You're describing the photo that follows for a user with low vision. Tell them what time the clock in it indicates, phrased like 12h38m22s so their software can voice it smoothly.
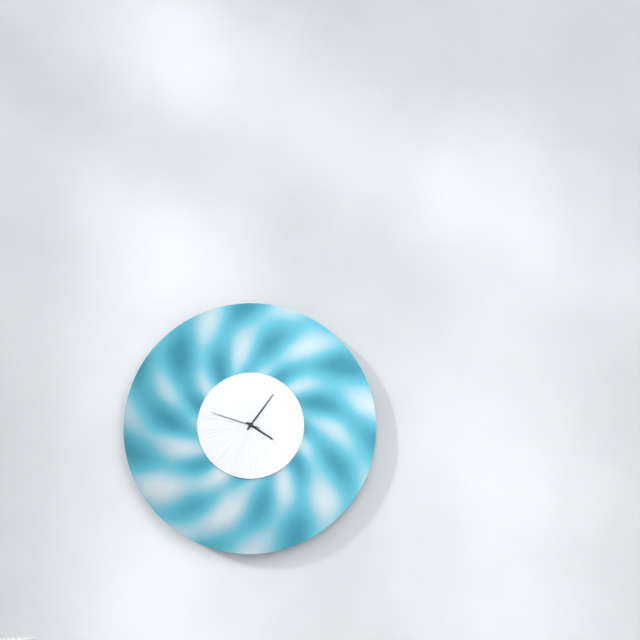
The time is 4h06m48s
